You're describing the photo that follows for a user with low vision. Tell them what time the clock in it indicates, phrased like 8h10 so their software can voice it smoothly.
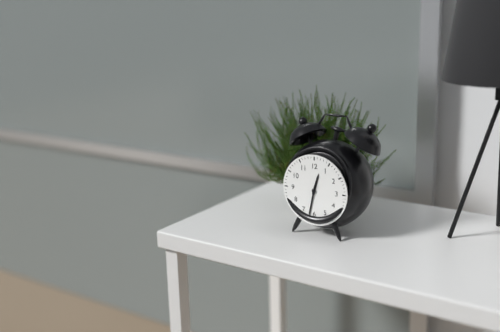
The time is 12h32
